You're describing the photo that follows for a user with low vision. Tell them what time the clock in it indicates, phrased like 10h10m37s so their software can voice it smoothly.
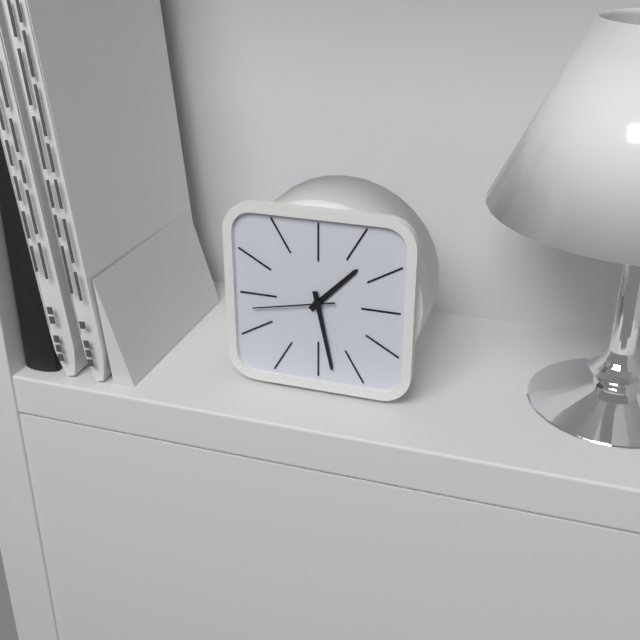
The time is 1h28m43s
